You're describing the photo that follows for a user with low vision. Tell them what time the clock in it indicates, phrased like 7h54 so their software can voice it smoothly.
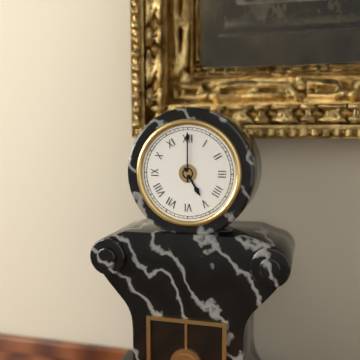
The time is 5h00
